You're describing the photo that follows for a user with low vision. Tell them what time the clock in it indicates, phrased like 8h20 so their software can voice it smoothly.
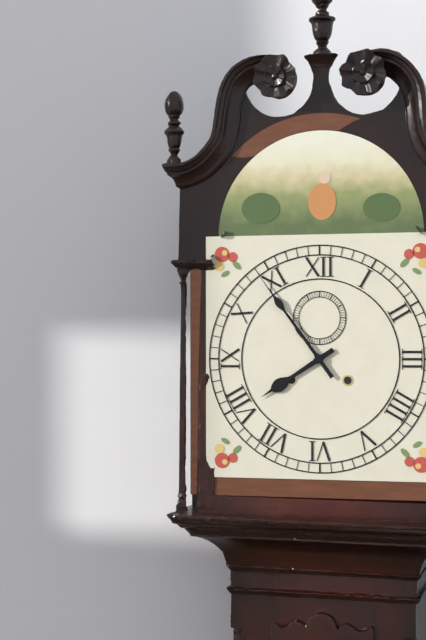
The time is 7h54
